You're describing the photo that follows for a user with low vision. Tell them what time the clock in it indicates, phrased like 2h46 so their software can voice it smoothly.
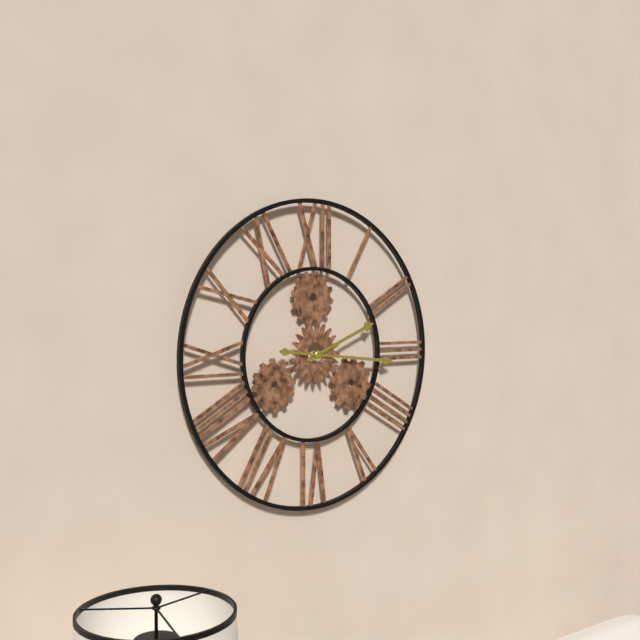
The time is 2h16
